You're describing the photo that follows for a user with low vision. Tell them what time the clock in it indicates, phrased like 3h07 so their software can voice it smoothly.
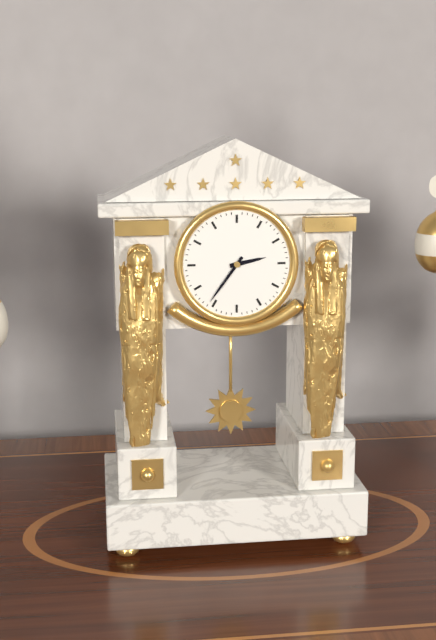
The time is 2h36
